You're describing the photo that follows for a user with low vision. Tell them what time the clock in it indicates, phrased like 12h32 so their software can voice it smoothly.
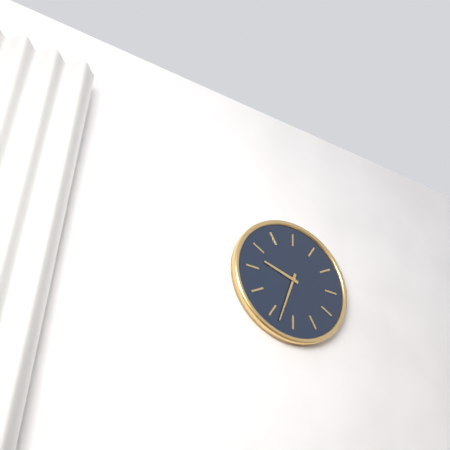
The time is 9h33
